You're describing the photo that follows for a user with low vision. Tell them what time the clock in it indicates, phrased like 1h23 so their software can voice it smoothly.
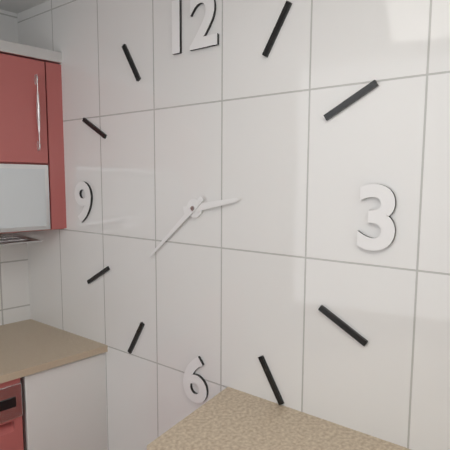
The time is 2h38
